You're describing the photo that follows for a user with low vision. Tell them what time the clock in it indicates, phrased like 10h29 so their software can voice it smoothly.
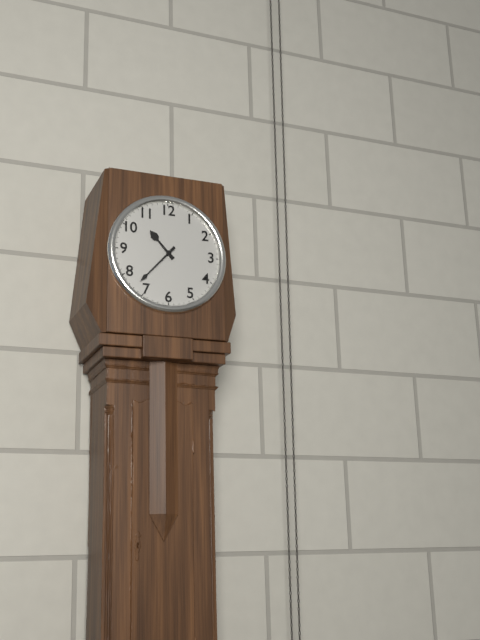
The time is 10h37
